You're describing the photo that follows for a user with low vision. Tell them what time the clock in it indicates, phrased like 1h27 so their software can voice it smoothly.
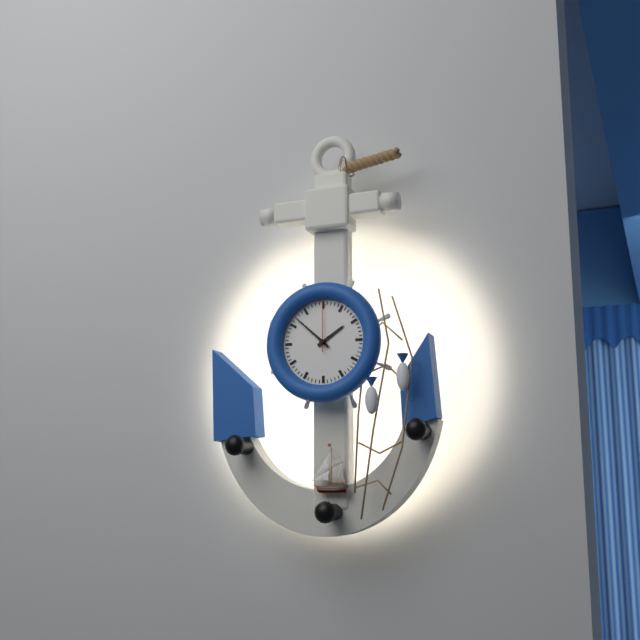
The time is 1h52
